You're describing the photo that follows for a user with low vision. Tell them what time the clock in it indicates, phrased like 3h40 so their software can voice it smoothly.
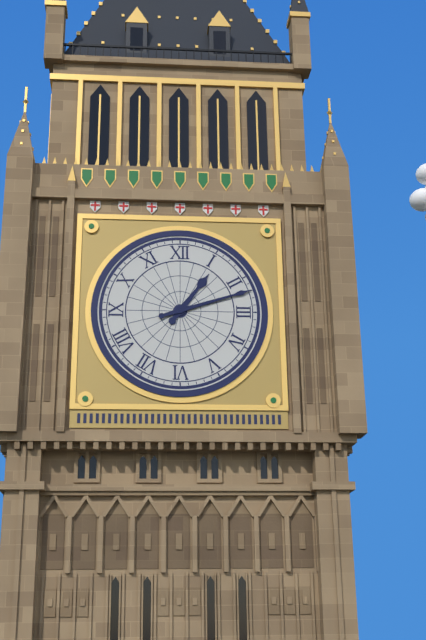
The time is 1h12
